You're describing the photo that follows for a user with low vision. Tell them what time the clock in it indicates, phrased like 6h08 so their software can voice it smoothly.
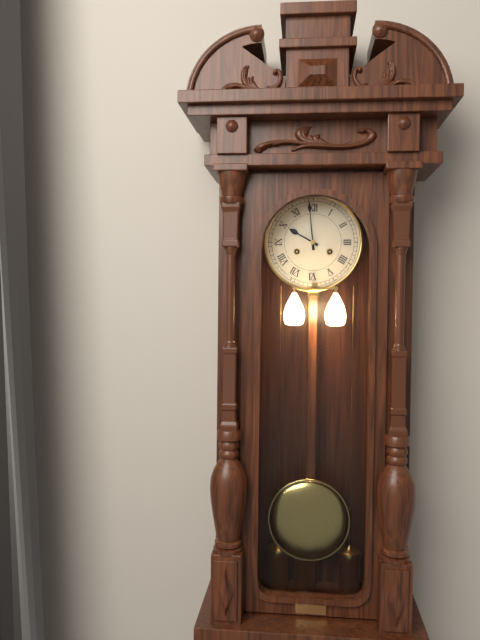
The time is 9h59
